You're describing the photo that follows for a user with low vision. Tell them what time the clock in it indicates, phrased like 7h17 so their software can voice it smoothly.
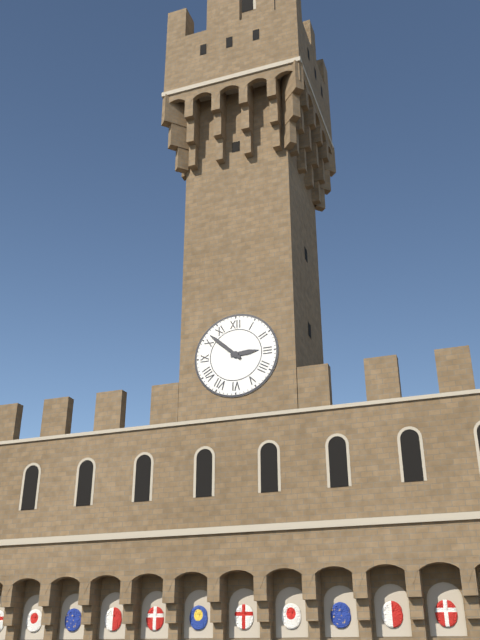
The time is 2h52
